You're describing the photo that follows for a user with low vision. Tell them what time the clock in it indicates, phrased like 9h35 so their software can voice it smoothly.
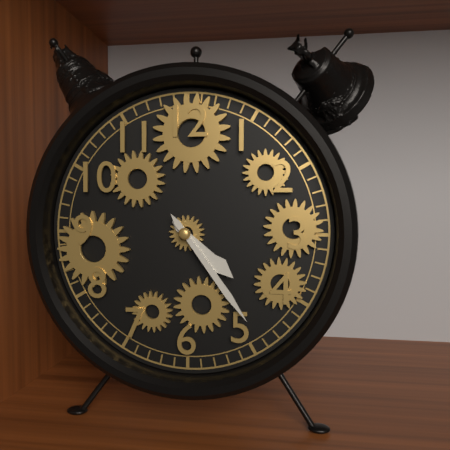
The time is 4h24
